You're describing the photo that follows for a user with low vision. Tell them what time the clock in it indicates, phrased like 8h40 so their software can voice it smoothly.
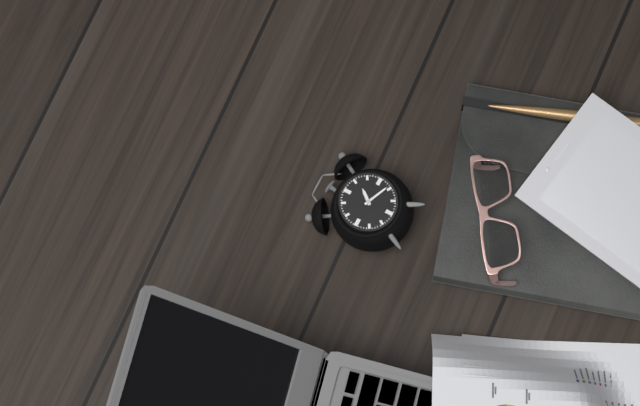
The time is 1h19
